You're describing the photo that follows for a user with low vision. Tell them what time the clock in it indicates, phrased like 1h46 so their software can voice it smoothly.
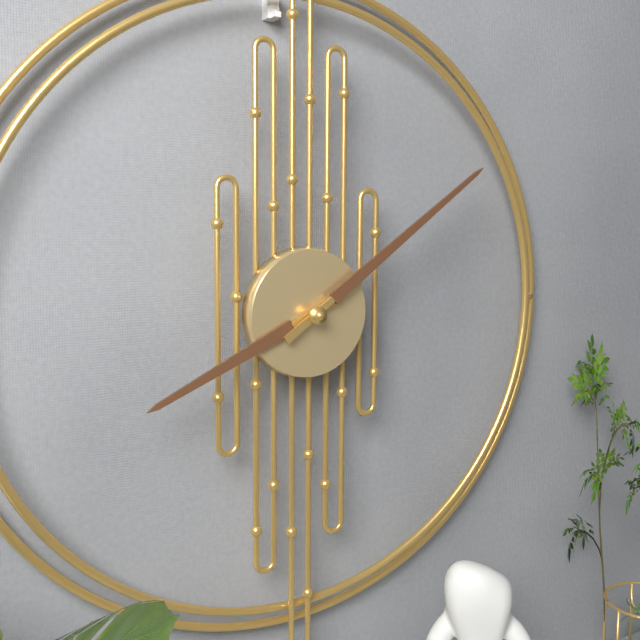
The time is 8h09
